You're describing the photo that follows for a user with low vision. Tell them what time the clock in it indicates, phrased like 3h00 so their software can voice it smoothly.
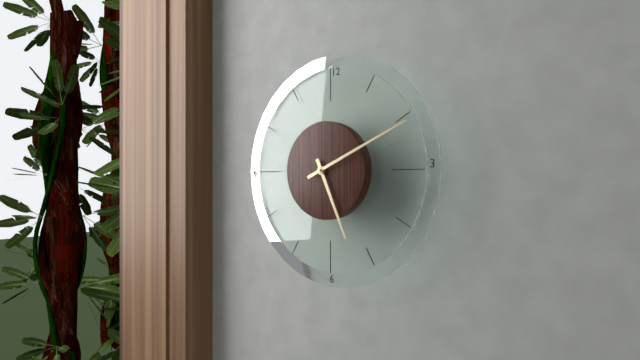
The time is 5h11
